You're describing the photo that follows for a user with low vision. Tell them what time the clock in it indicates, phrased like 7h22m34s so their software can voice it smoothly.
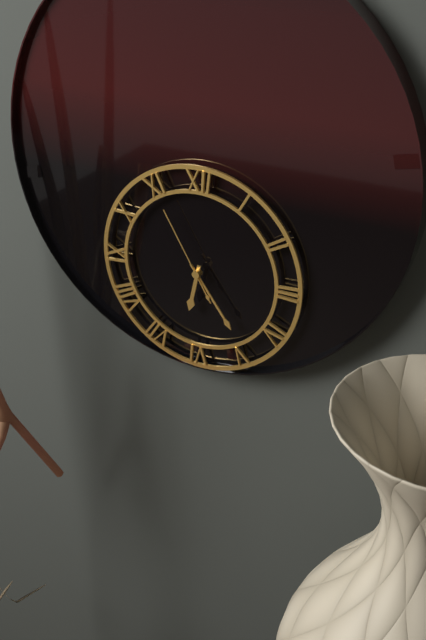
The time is 6h24m55s
